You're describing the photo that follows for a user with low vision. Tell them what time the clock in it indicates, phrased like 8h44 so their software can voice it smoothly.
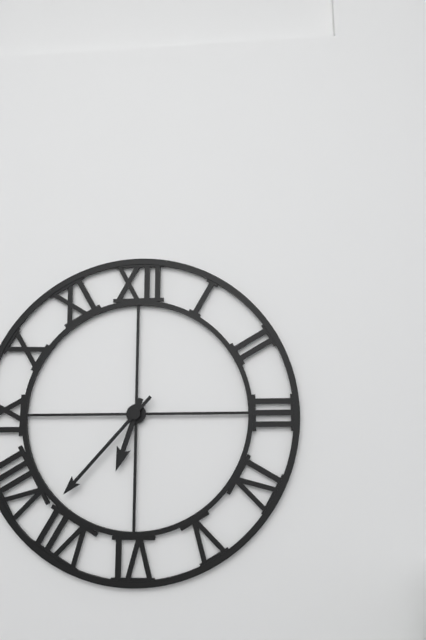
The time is 6h37
